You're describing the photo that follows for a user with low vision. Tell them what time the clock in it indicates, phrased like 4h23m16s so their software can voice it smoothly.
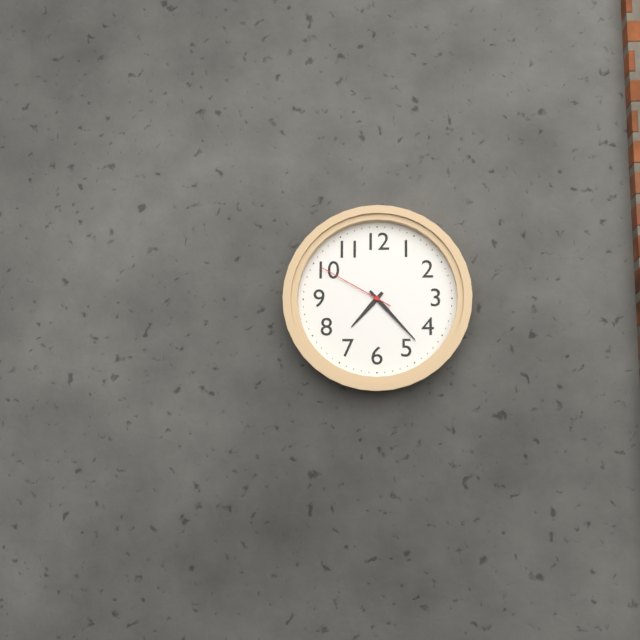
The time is 7h23m50s
